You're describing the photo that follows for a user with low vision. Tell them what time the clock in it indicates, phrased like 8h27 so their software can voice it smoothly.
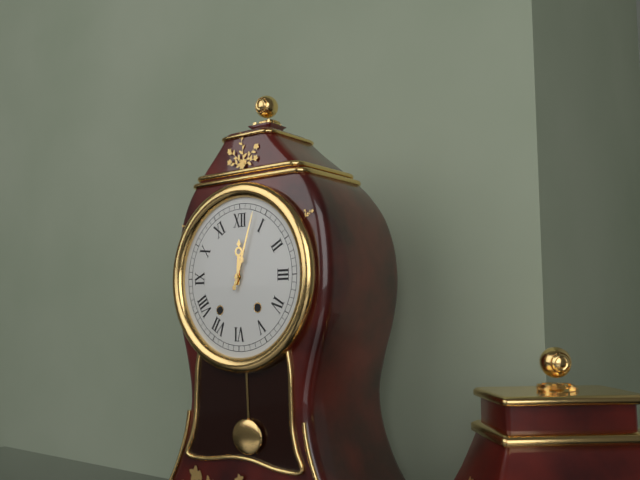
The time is 12h03
